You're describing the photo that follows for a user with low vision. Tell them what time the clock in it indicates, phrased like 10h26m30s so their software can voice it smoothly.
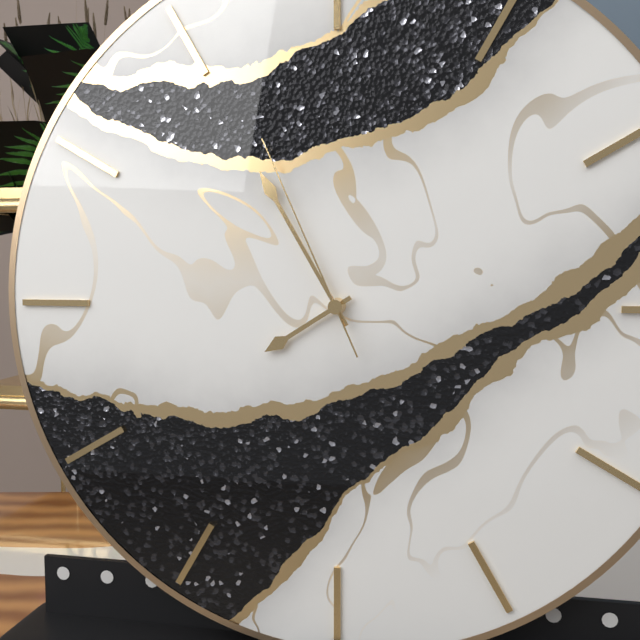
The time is 7h55m56s
